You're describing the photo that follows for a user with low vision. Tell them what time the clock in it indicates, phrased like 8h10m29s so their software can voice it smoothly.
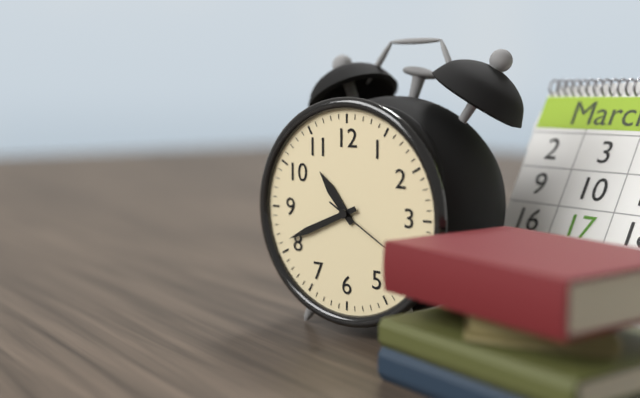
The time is 10h41m20s
